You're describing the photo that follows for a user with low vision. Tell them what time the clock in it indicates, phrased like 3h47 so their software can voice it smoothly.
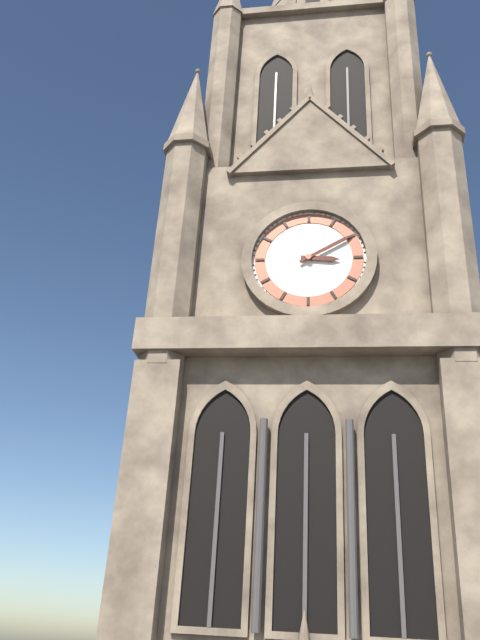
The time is 3h10
